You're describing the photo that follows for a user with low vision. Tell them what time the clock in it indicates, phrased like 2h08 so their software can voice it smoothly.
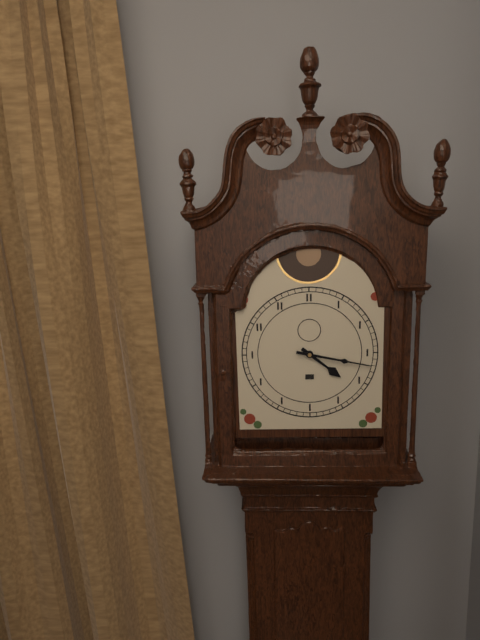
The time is 4h17
